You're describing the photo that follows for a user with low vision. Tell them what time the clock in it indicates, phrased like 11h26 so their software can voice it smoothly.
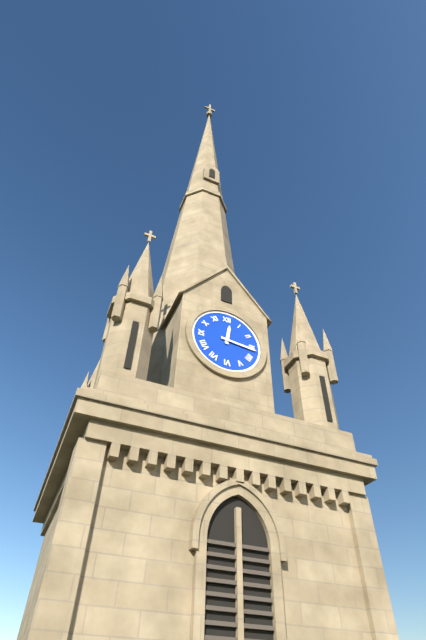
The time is 12h16
